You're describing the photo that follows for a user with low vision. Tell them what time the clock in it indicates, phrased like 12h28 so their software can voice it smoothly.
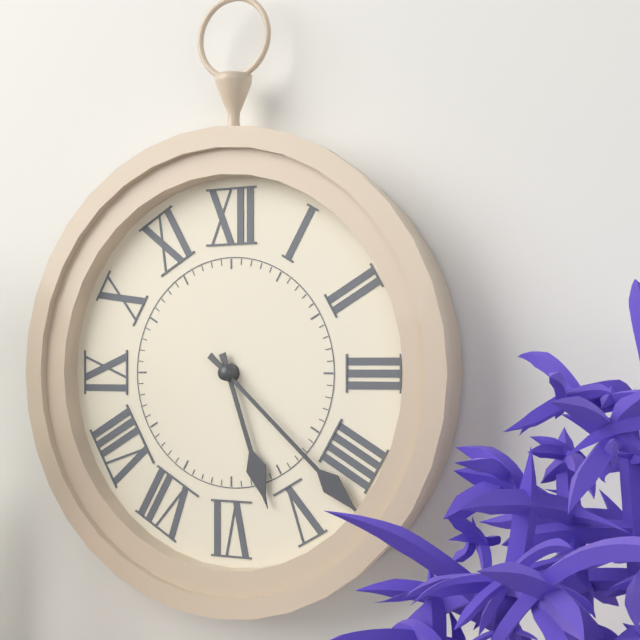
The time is 5h22
